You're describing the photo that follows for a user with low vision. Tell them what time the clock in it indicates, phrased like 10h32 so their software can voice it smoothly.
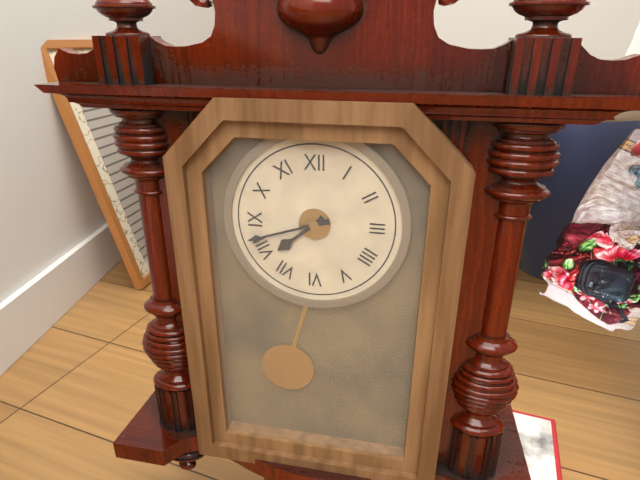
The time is 7h42
